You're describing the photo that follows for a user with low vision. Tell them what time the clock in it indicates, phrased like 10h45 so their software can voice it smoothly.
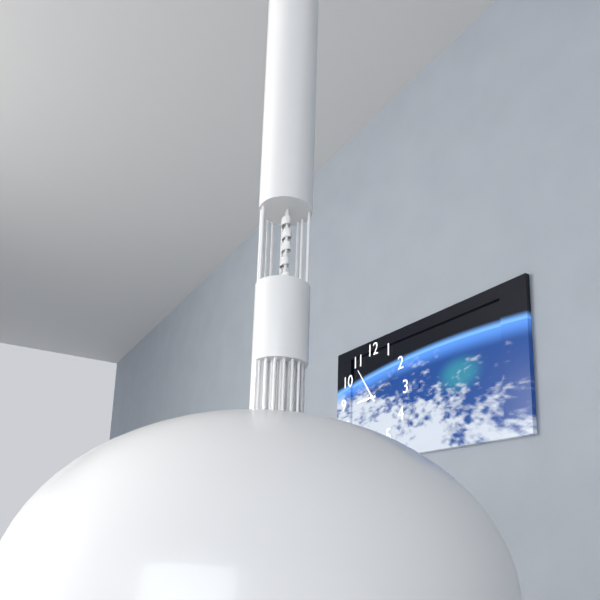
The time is 8h54
